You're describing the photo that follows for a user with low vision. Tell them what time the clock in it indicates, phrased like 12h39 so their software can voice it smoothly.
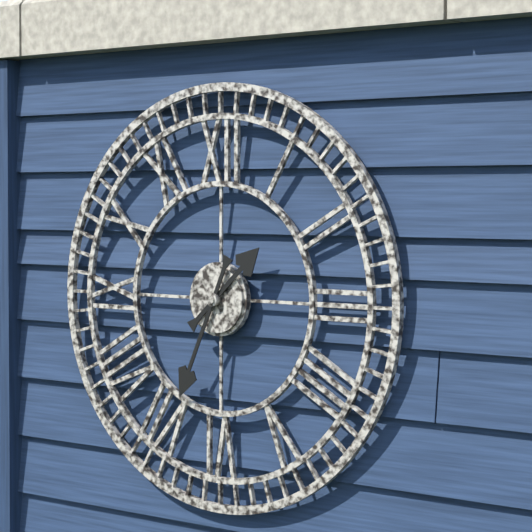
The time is 1h34
